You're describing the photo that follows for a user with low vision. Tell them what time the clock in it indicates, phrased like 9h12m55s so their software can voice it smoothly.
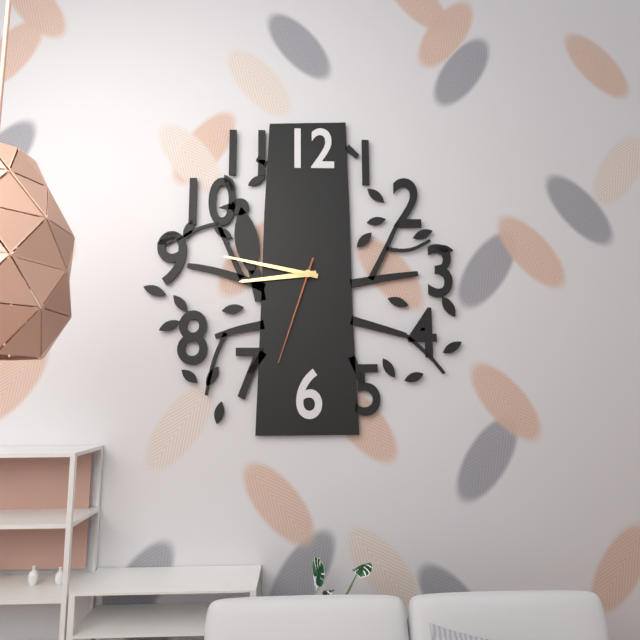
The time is 8h47m33s
